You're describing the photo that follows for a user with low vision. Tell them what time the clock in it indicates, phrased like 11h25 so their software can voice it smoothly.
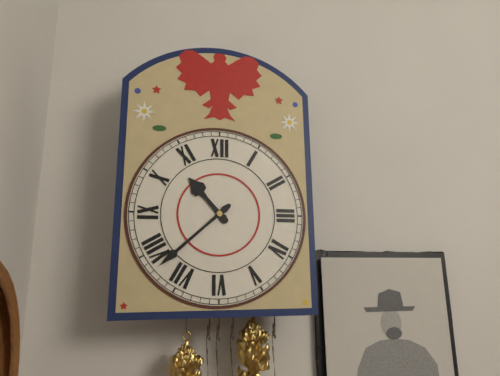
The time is 10h38
